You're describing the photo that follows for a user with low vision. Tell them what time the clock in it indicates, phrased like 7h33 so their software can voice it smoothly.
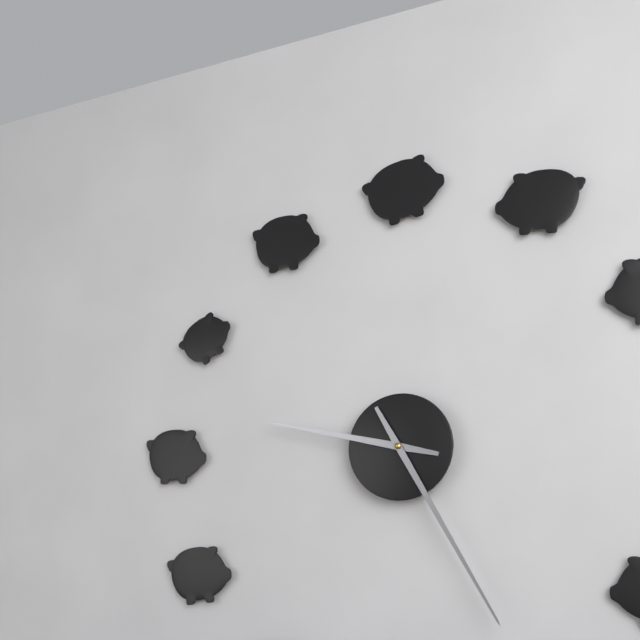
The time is 9h25
